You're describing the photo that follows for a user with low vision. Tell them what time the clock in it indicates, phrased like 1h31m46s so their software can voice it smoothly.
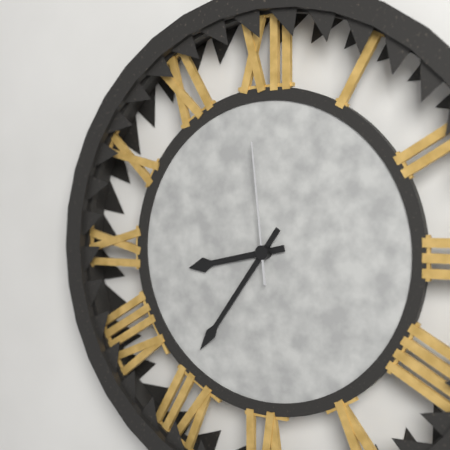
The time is 8h36m59s
